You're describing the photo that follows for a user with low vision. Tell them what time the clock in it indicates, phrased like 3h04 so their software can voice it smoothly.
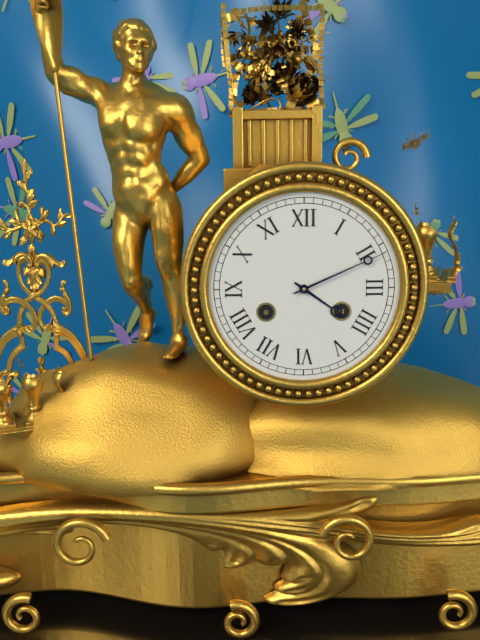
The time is 4h11
